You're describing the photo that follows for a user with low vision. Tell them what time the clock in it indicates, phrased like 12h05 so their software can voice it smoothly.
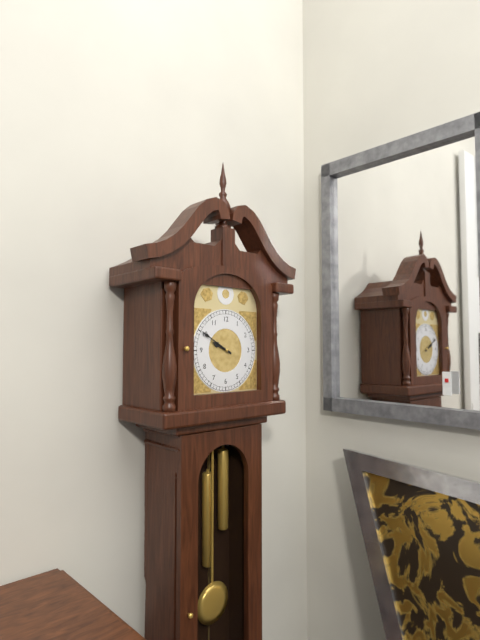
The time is 9h50
